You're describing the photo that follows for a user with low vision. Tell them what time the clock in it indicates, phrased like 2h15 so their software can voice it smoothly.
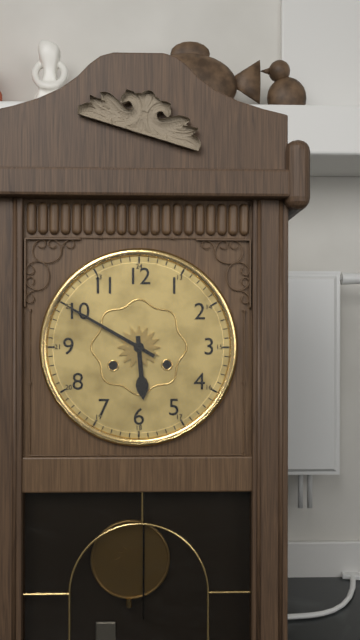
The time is 5h50
